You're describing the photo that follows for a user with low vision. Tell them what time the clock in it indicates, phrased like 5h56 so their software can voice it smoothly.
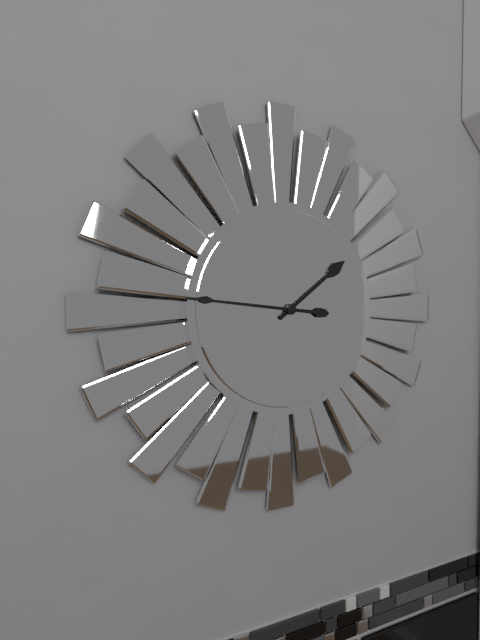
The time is 1h46
